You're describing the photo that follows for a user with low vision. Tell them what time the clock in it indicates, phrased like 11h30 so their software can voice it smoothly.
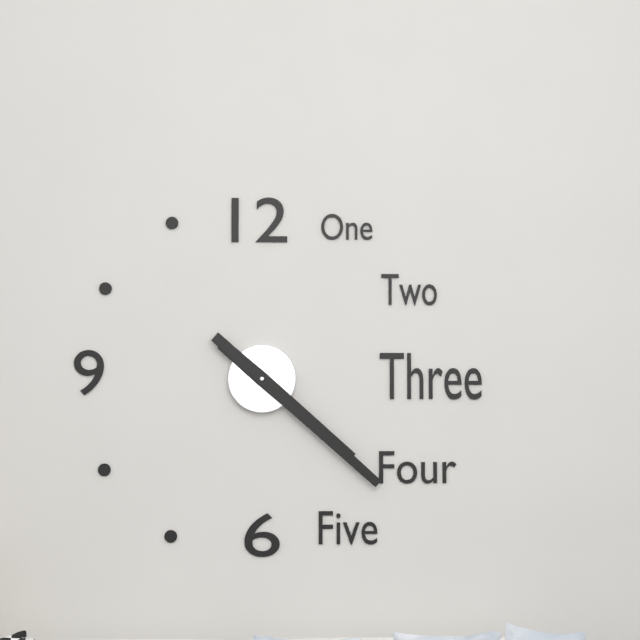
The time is 4h22
